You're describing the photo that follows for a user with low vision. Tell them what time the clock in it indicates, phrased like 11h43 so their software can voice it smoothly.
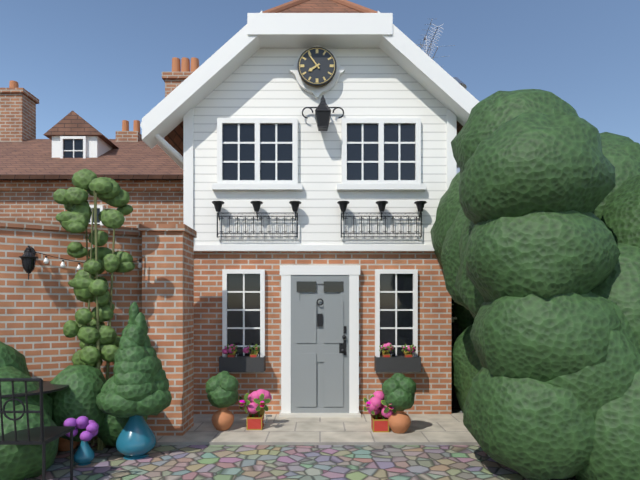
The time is 7h54
